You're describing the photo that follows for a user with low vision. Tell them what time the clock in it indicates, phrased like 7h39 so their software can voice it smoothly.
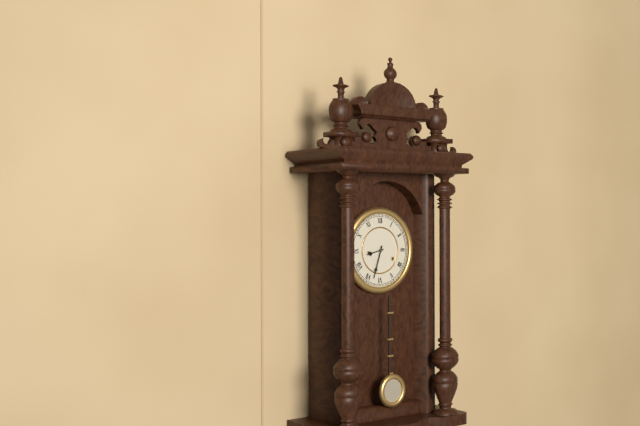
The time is 8h33
